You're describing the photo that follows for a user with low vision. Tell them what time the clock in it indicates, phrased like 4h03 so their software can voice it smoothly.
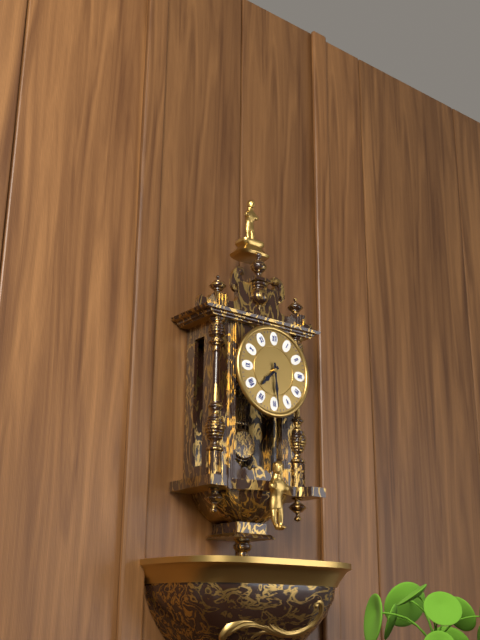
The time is 7h29
